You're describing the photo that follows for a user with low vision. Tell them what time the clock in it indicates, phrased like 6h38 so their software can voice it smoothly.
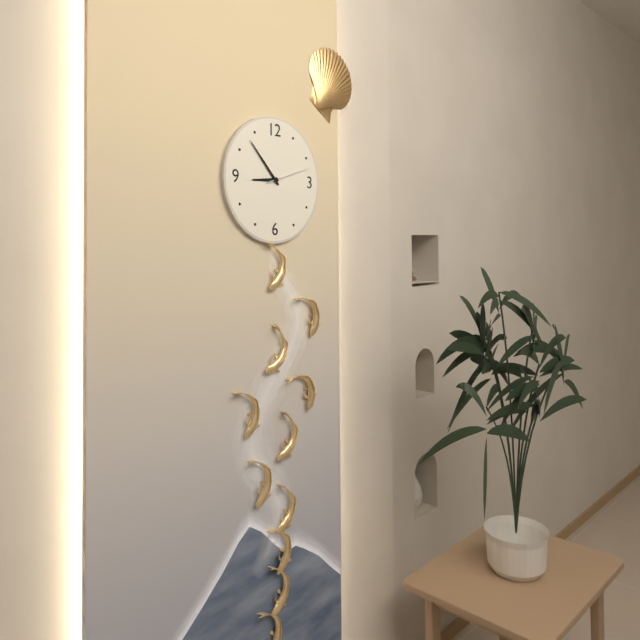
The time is 8h53
